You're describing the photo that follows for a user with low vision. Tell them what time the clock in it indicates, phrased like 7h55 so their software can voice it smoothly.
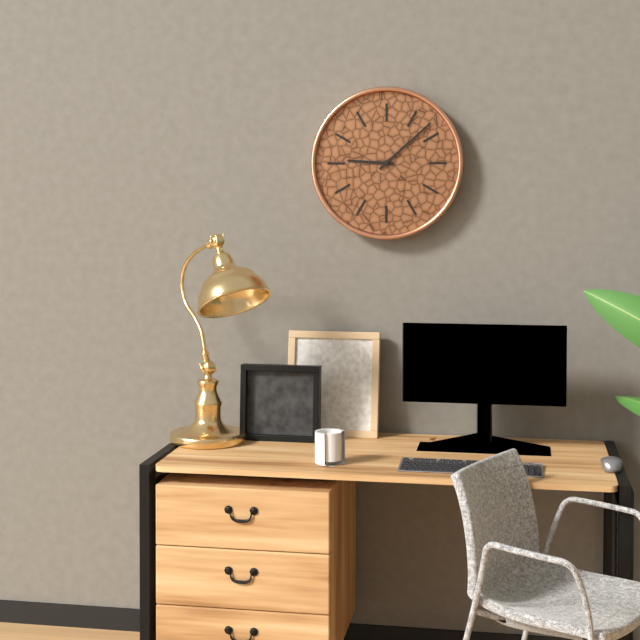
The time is 9h08
